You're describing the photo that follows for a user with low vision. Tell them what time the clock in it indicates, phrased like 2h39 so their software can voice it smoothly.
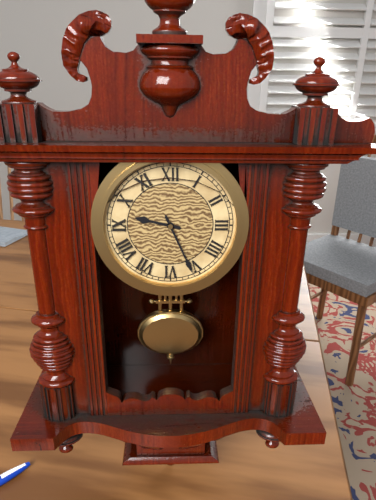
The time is 9h26
